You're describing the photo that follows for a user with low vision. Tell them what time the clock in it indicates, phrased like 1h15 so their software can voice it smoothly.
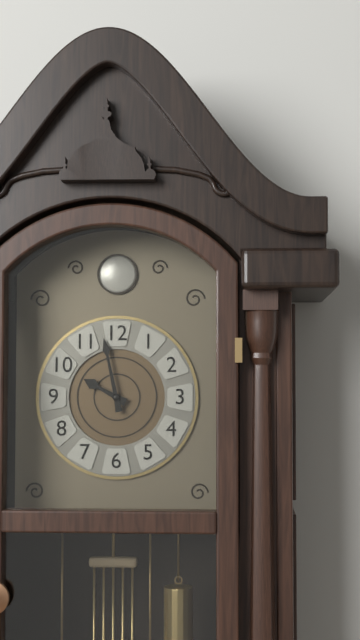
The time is 9h58
